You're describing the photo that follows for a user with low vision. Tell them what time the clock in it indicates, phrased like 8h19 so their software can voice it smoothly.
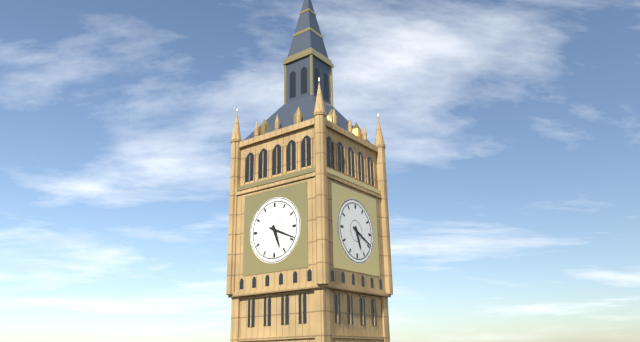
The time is 5h19
